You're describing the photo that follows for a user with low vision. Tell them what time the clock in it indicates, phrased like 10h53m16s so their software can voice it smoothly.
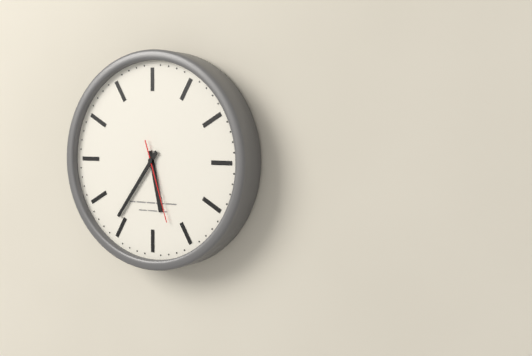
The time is 5h36m27s
